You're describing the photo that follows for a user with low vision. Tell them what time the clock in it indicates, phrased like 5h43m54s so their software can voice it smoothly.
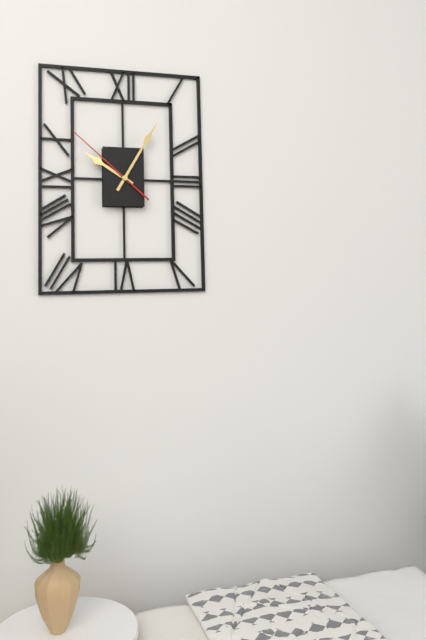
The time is 10h05m52s
